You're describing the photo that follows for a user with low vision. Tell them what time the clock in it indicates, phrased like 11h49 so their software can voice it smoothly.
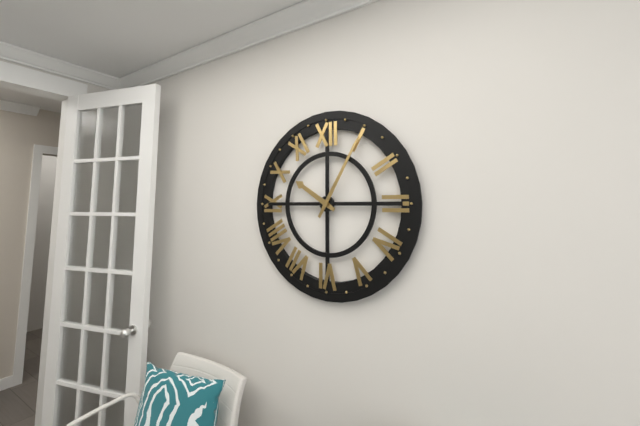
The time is 10h05
